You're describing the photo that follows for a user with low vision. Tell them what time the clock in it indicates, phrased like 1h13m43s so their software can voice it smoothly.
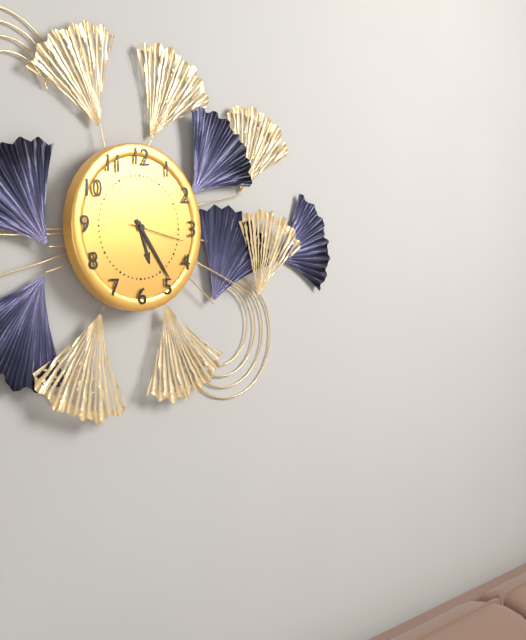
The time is 5h24m17s
